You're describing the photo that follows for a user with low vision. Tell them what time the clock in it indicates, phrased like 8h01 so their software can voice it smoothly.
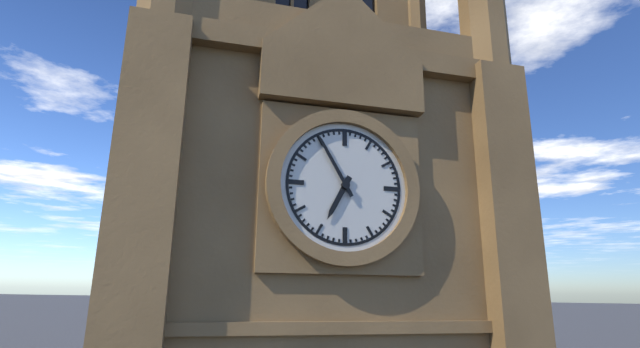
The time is 6h55
